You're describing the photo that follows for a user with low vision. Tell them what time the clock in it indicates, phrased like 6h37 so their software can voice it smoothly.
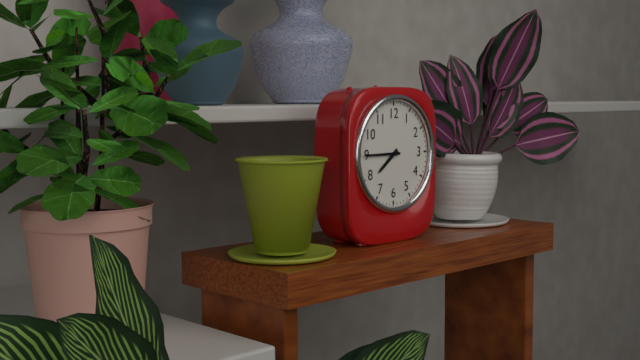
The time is 7h45
